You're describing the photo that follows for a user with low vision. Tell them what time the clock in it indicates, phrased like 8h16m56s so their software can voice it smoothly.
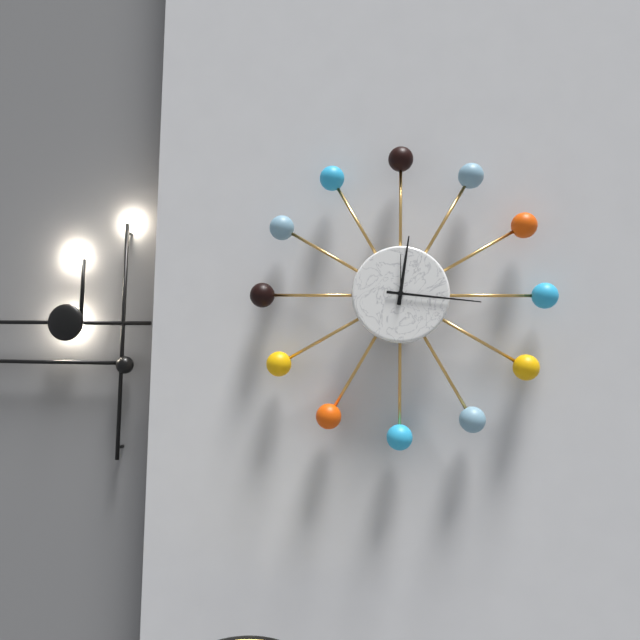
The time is 12h16m00s
